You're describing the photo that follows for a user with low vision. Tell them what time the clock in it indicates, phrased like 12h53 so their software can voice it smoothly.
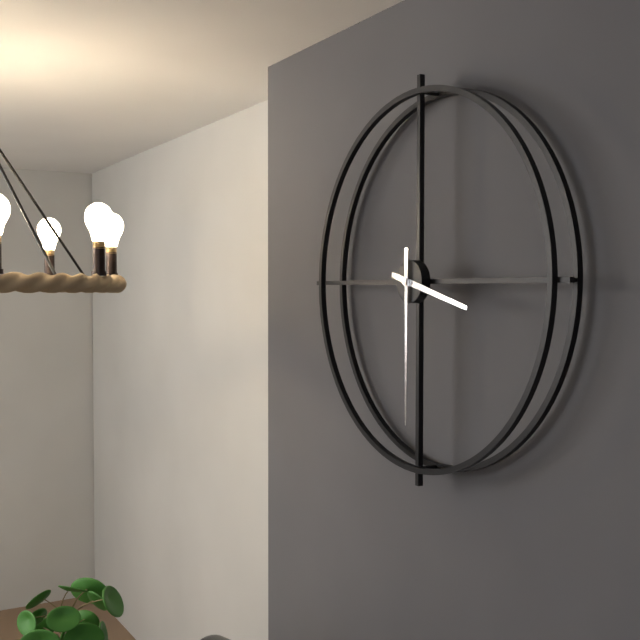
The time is 3h30
